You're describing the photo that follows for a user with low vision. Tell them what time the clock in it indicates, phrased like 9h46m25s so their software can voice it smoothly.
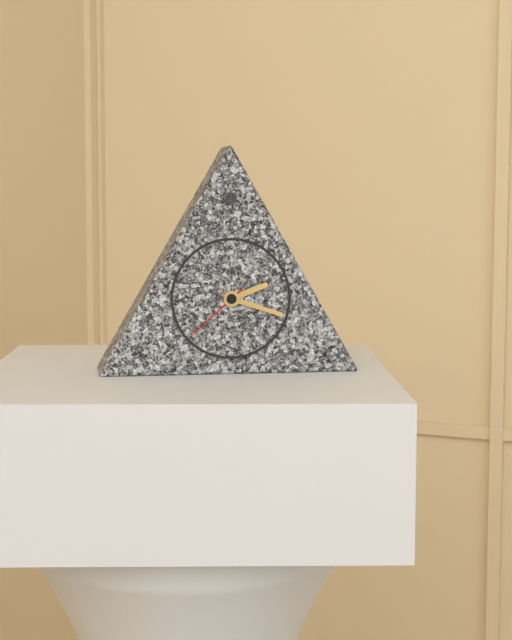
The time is 2h18m38s
